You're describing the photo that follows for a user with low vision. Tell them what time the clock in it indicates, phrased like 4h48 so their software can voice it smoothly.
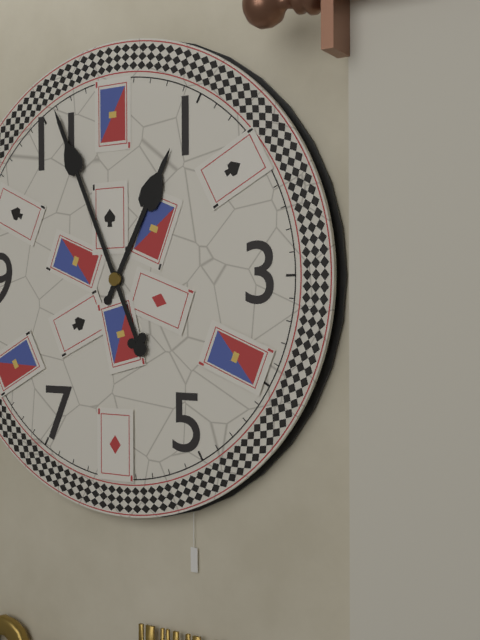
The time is 12h56
